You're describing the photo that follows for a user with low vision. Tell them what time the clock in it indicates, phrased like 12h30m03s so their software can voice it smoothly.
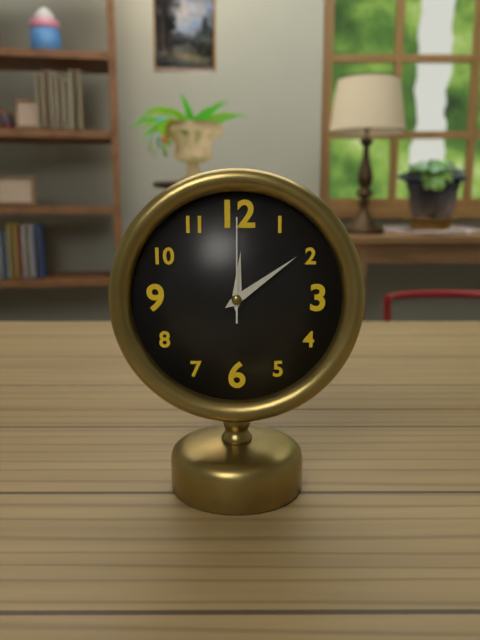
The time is 12h09m00s
